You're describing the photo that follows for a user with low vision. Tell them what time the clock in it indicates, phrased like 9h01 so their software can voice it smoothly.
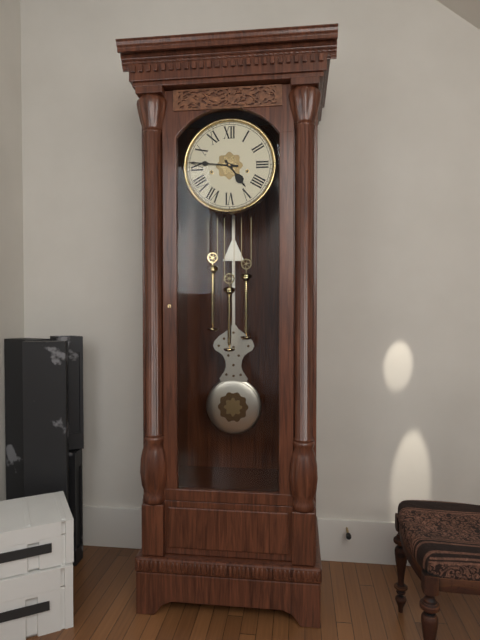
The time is 4h46
